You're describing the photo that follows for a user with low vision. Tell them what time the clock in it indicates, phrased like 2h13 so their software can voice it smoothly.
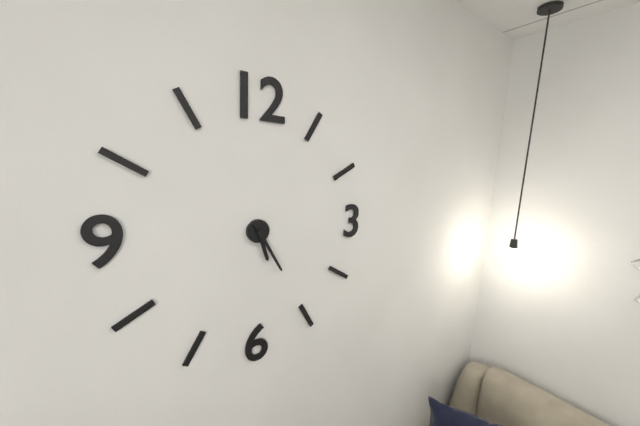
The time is 5h25
